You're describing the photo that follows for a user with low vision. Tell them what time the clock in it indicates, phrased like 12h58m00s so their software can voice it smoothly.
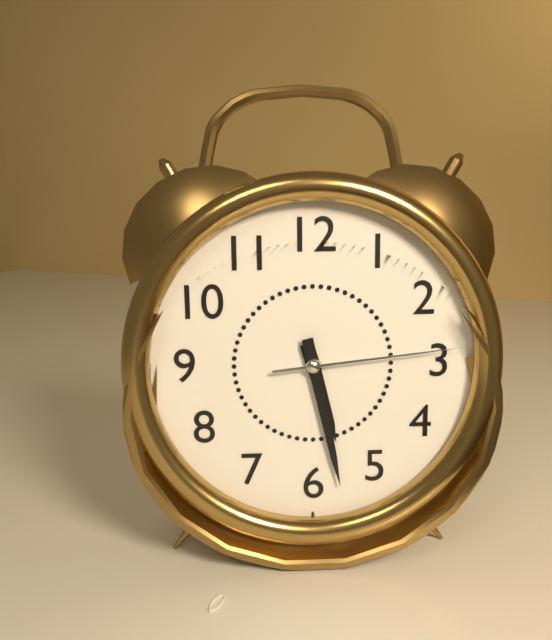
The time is 5h28m14s
